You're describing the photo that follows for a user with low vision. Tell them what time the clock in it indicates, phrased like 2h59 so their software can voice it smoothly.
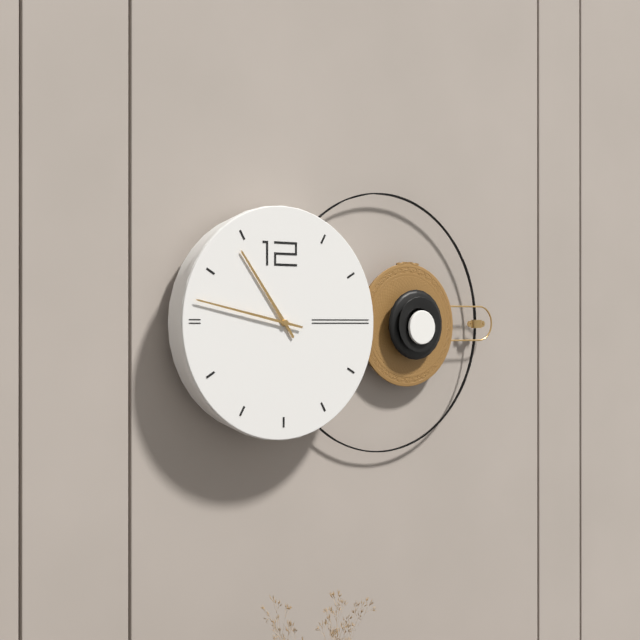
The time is 10h47
